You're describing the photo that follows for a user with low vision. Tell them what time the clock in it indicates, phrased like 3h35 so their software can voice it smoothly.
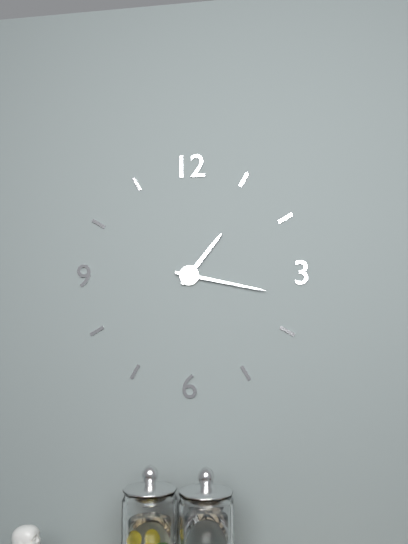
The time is 1h17
